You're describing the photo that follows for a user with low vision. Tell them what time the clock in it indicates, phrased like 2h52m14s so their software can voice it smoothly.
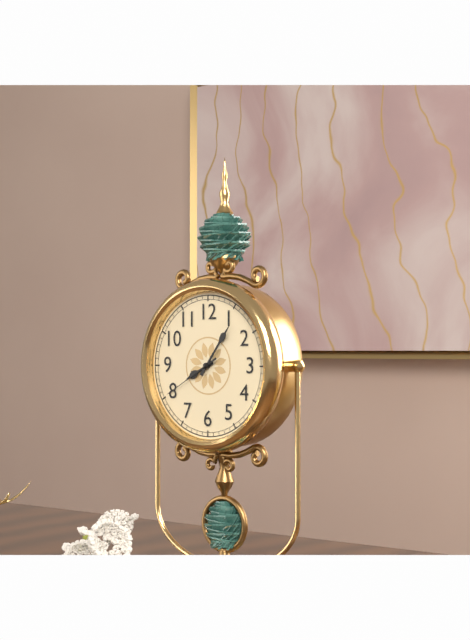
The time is 8h06m40s
